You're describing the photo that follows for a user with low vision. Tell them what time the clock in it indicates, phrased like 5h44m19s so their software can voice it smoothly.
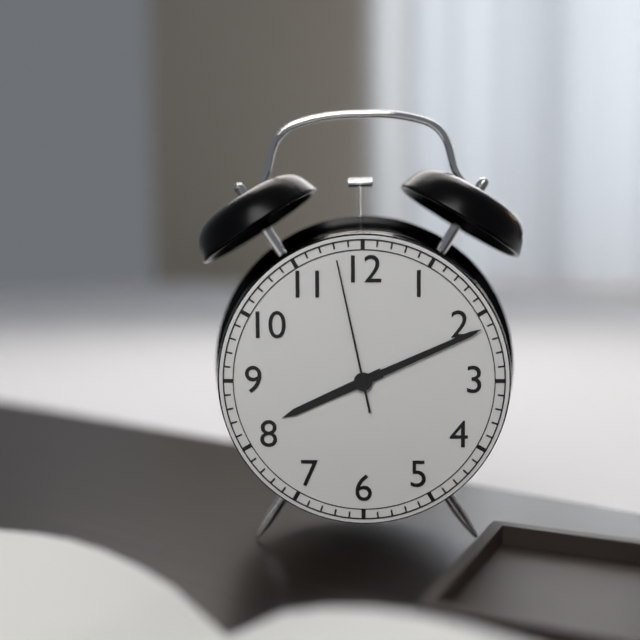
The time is 8h11m58s
